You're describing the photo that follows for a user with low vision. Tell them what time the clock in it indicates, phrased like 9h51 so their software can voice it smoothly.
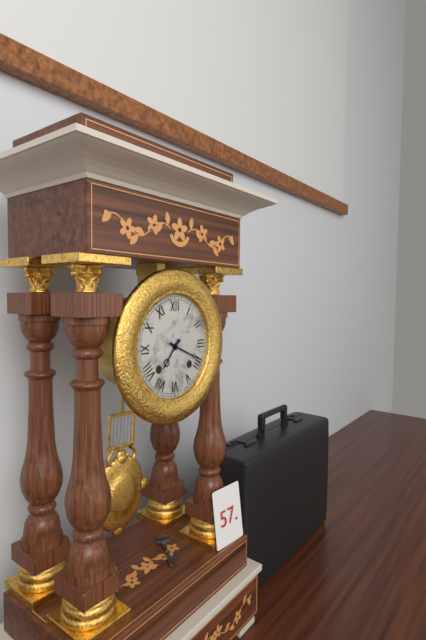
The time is 7h19
